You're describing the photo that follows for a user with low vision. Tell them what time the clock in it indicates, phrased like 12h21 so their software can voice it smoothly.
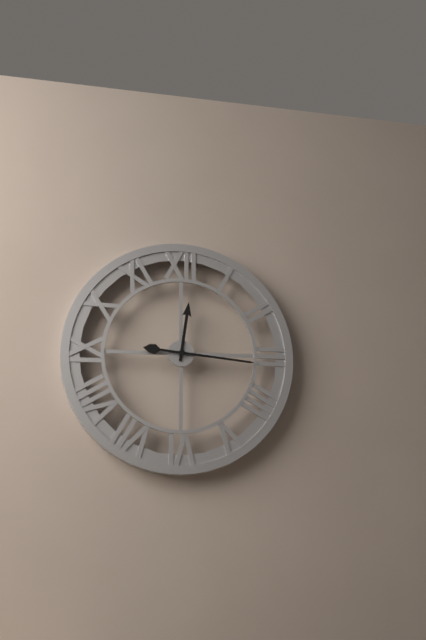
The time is 12h16
